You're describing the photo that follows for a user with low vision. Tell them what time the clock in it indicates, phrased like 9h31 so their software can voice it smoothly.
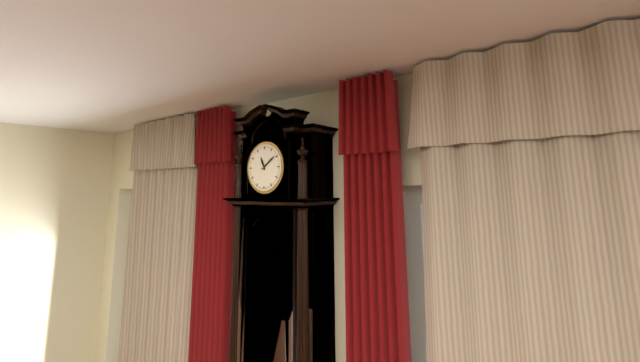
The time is 11h09
